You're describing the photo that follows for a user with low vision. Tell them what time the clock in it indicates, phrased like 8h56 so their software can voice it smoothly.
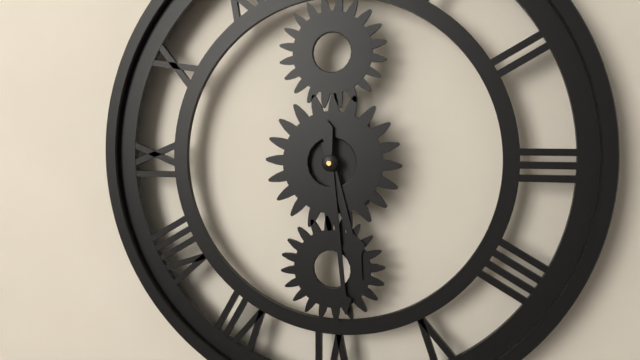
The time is 5h29
